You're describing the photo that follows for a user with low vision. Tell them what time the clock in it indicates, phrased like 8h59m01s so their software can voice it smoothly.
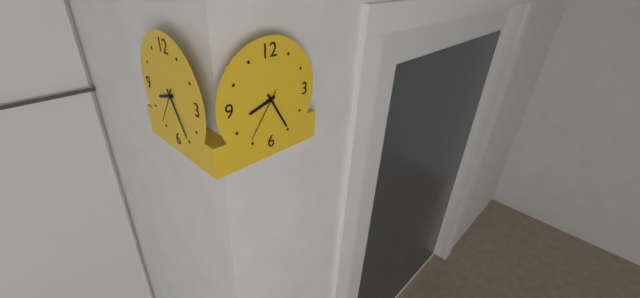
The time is 8h25m36s
